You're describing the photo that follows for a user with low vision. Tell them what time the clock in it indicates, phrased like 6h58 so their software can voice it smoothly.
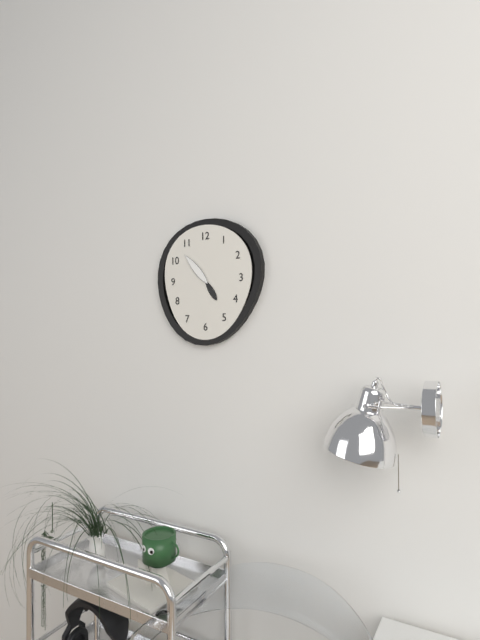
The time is 4h53
